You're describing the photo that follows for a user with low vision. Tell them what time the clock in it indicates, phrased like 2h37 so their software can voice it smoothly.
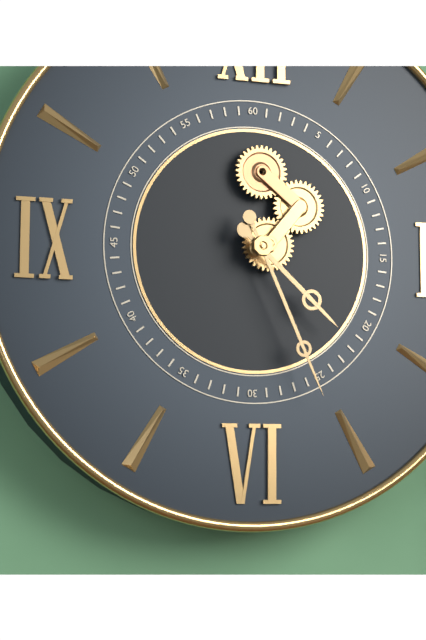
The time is 4h26
